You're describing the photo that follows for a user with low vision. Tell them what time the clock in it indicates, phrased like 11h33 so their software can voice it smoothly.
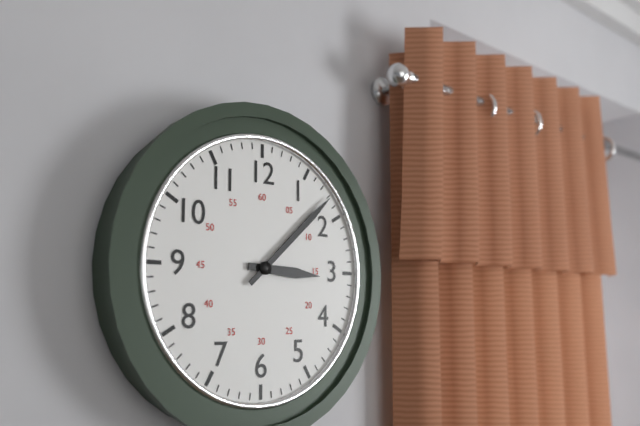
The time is 3h08
